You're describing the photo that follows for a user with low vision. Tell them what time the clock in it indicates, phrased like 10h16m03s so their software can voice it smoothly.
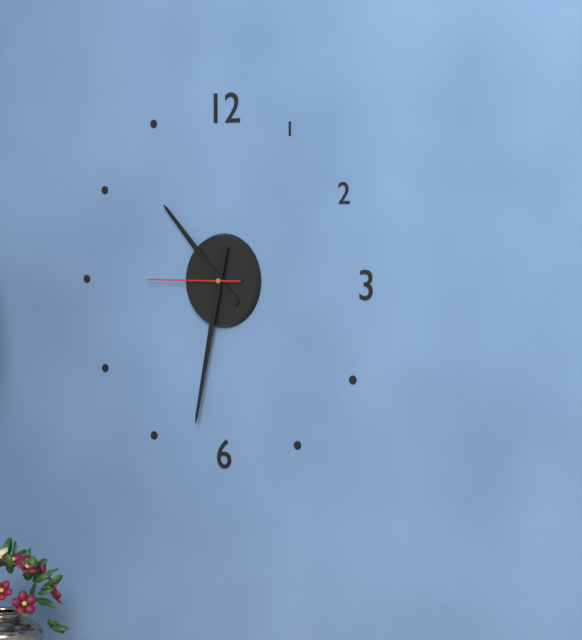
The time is 10h32m45s
